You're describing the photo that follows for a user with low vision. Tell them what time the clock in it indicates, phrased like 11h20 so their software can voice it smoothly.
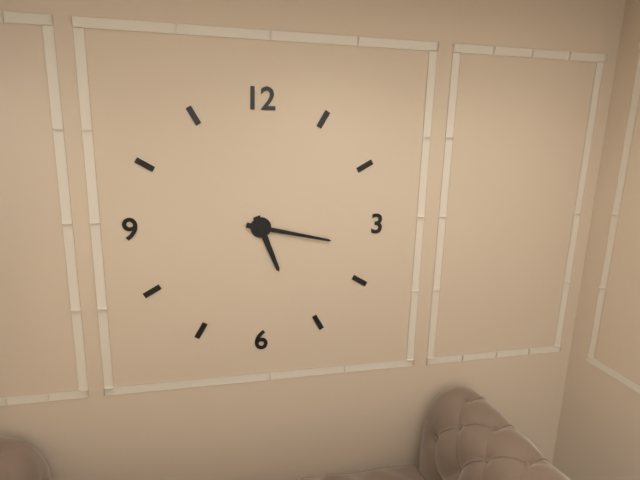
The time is 5h17
